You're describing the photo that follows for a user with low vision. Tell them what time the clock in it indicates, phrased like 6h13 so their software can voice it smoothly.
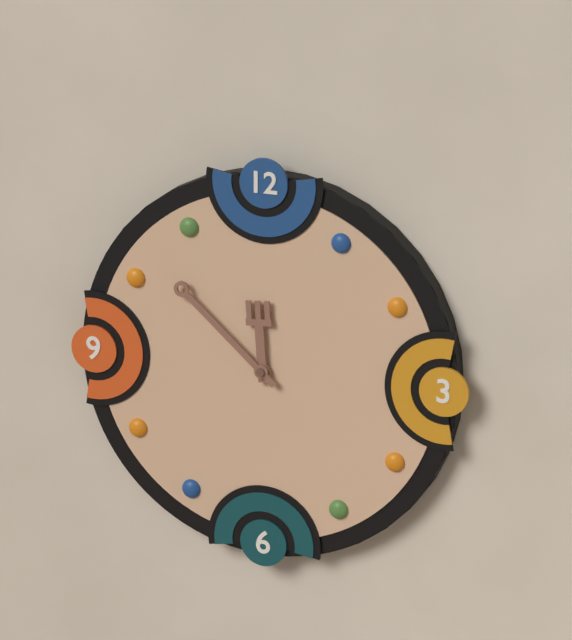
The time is 11h52
